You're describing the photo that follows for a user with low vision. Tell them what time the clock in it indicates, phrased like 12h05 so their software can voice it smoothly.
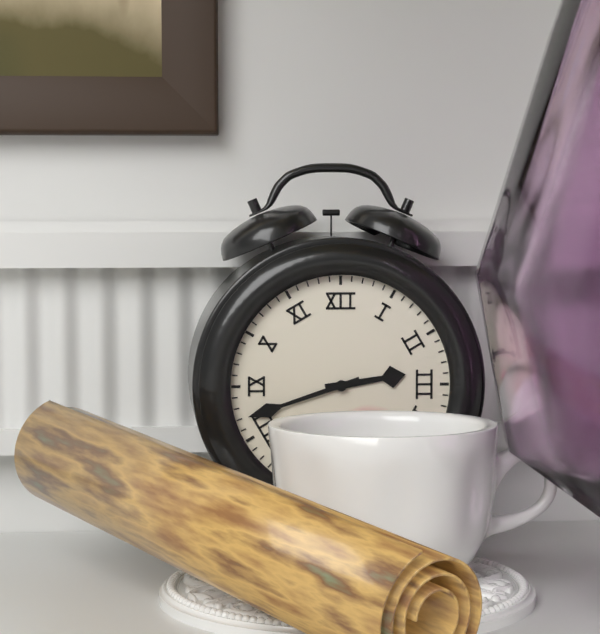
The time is 2h42
